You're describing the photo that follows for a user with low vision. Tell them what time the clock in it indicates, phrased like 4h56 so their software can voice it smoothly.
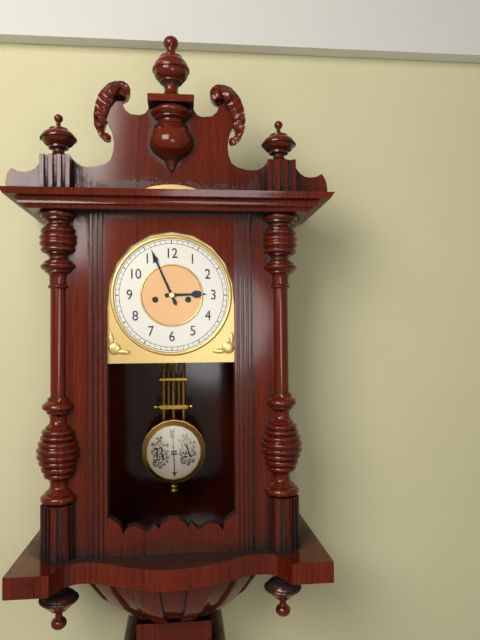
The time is 2h56
